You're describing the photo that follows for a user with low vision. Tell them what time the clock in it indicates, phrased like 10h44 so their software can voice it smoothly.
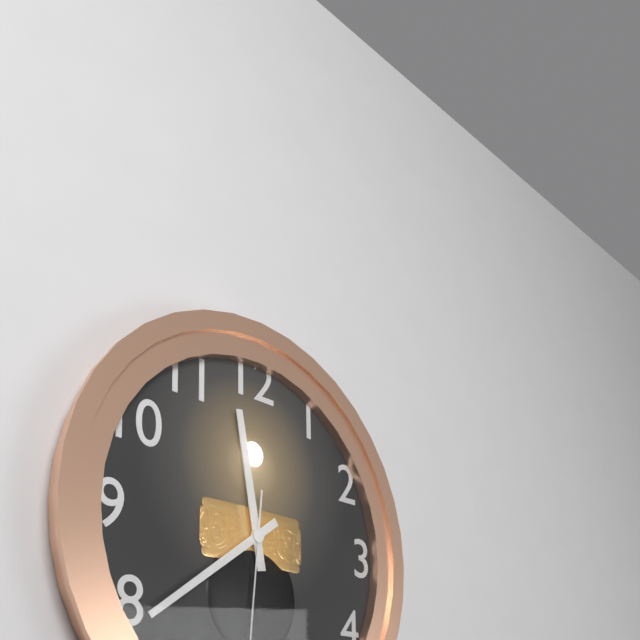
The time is 11h39
